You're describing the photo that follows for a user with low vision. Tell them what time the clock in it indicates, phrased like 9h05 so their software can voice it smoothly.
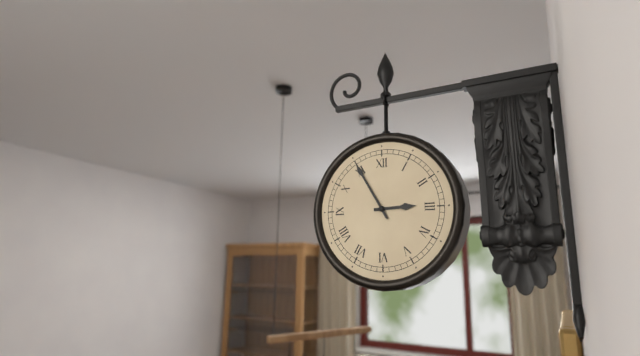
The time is 2h55
